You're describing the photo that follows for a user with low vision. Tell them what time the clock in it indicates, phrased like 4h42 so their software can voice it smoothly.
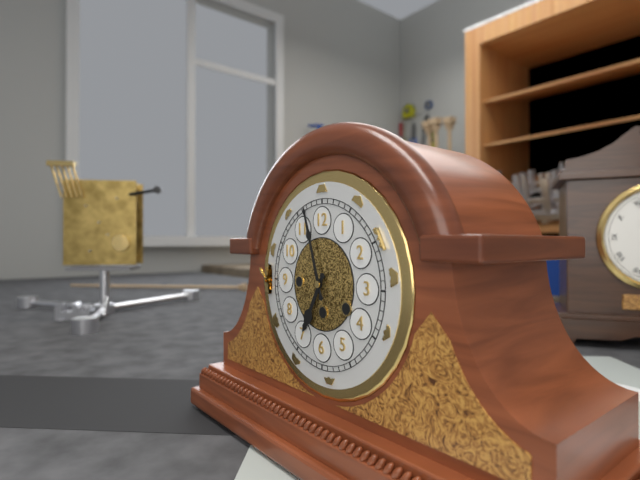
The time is 6h57
